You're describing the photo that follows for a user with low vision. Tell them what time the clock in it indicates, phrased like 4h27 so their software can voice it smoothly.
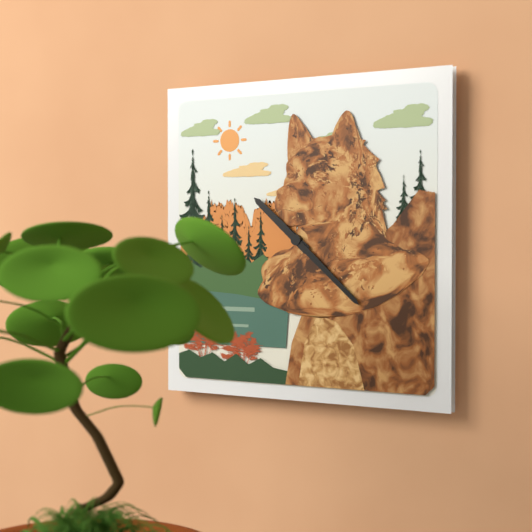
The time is 10h22
